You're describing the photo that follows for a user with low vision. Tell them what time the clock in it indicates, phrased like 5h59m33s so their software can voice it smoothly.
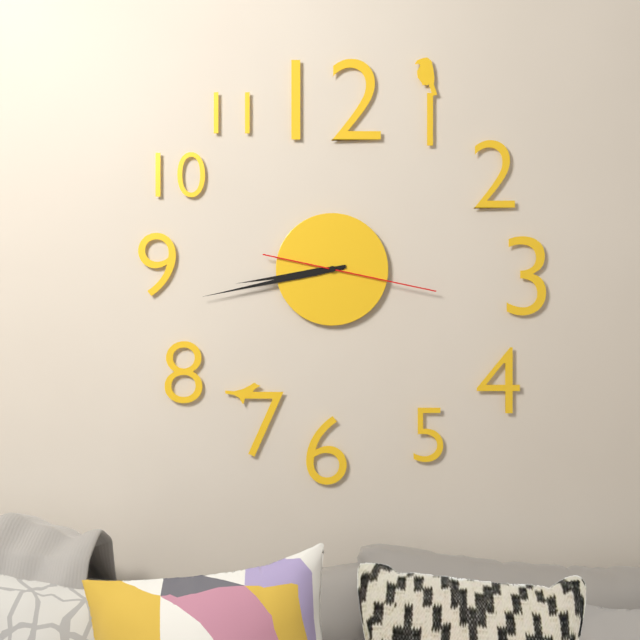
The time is 8h43m17s
